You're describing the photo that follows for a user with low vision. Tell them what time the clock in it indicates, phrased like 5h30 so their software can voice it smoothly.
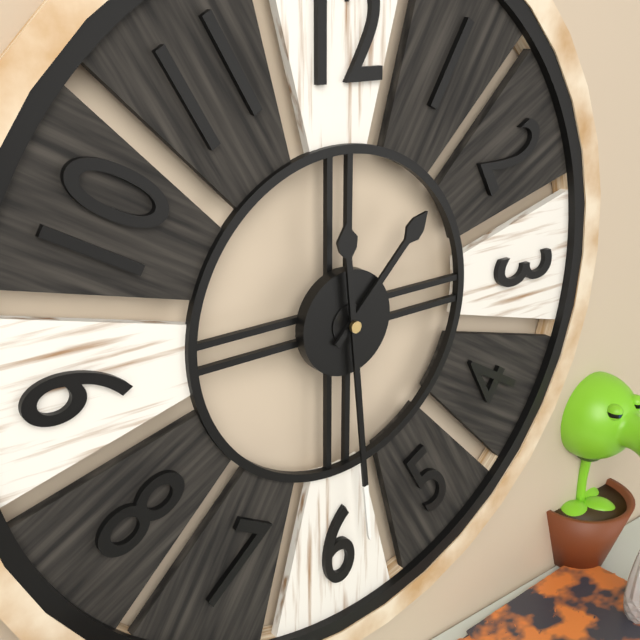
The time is 1h29
